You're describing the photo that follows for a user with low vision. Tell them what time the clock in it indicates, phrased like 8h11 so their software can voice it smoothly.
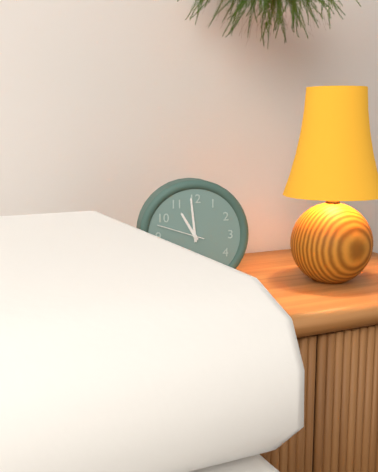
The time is 10h59
